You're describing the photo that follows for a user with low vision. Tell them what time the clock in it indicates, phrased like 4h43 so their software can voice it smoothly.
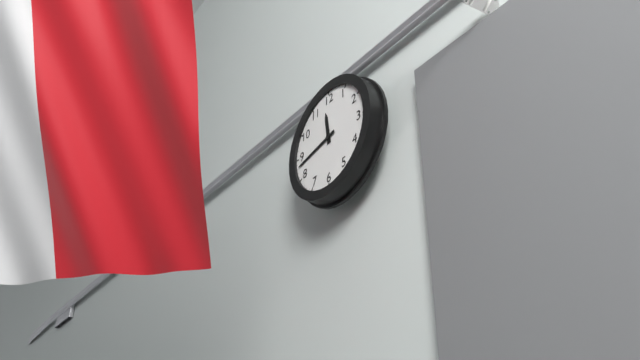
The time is 11h43
